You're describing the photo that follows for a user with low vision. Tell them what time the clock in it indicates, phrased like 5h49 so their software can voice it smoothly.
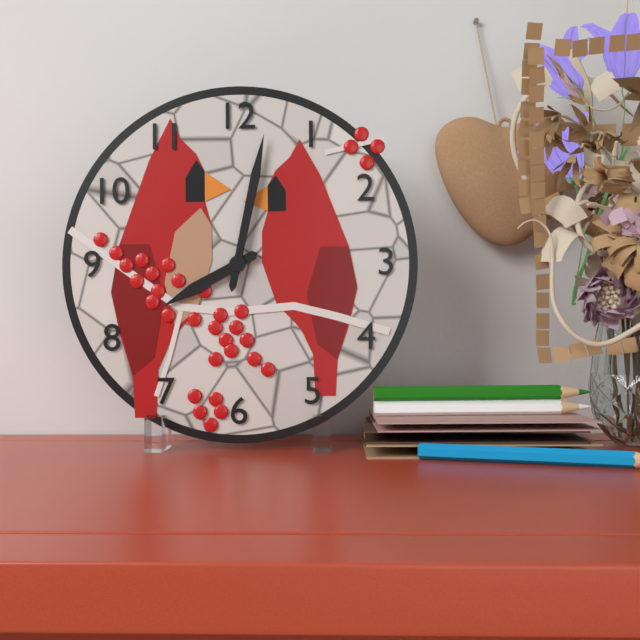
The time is 8h02
